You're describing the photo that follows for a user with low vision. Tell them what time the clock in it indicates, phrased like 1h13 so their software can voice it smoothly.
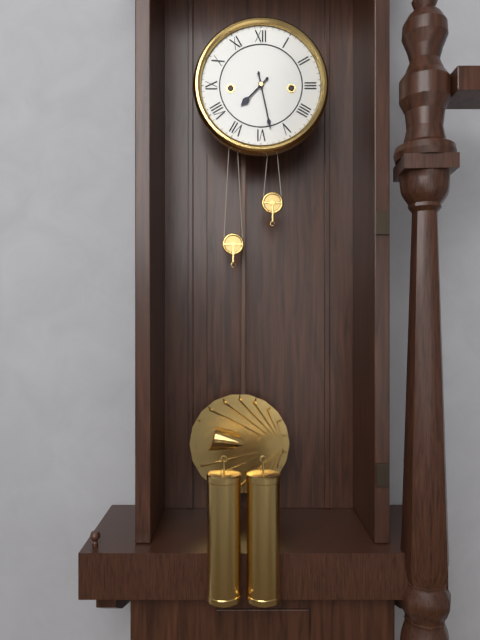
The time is 7h28
